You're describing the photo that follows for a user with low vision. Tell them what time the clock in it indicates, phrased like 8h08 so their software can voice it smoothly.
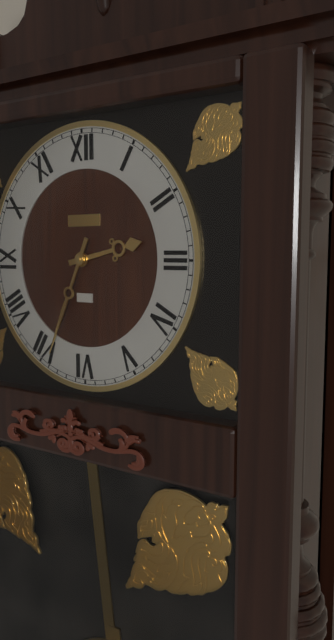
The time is 2h34
